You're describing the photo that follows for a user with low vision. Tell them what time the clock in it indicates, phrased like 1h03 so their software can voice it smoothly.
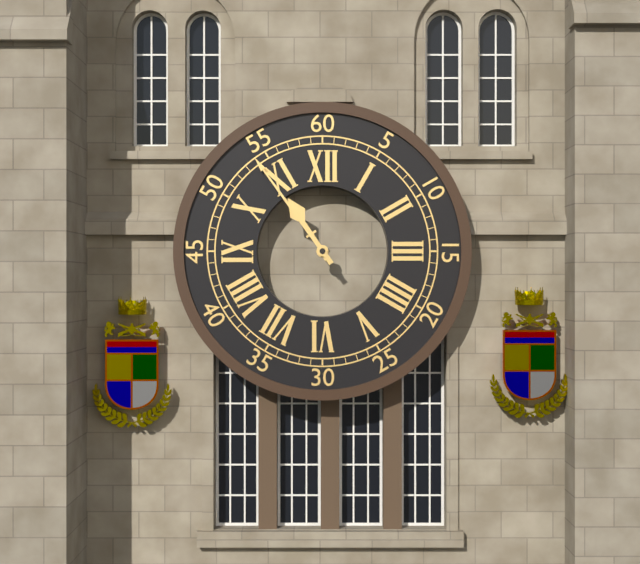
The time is 10h54
